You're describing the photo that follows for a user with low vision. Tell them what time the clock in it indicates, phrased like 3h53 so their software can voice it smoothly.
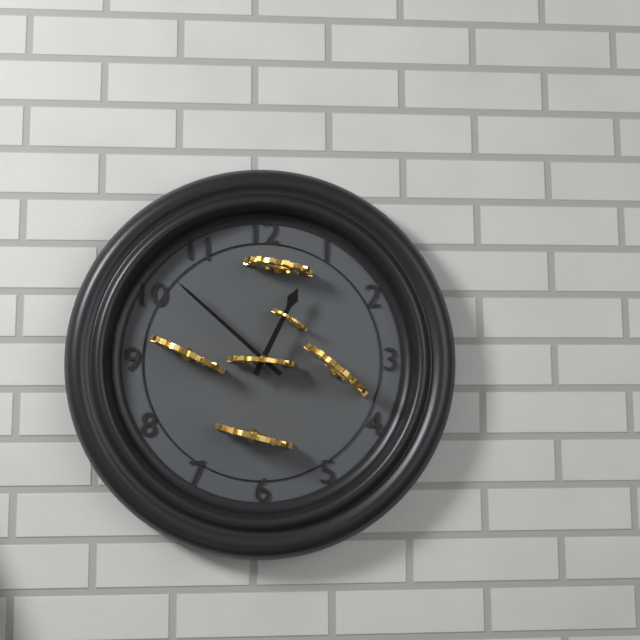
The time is 12h52
